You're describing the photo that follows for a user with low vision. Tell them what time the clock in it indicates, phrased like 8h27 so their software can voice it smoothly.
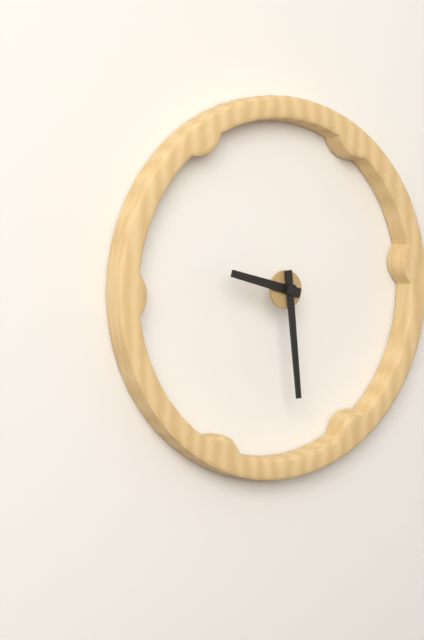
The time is 9h29
